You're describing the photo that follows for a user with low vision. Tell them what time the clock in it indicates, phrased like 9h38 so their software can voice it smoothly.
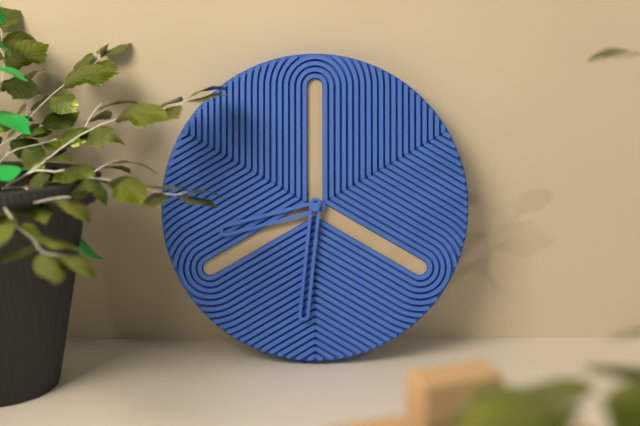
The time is 8h31
